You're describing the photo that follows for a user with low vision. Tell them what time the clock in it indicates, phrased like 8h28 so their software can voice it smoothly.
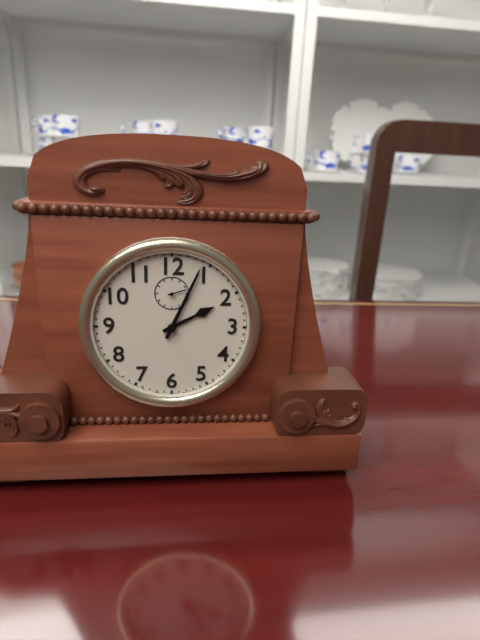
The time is 2h04
